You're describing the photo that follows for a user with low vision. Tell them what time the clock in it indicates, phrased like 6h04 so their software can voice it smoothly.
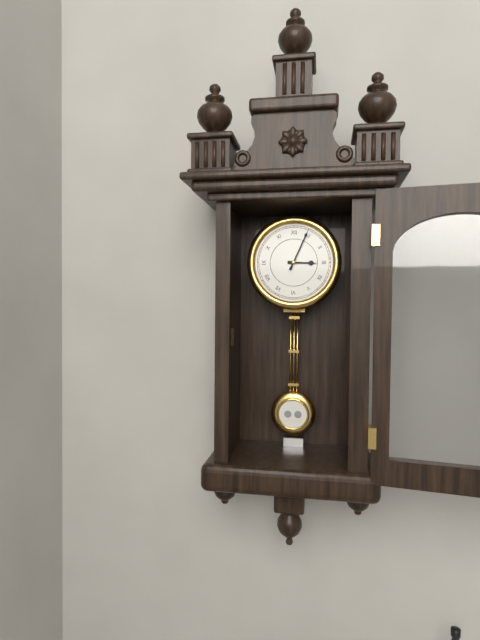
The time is 3h04
